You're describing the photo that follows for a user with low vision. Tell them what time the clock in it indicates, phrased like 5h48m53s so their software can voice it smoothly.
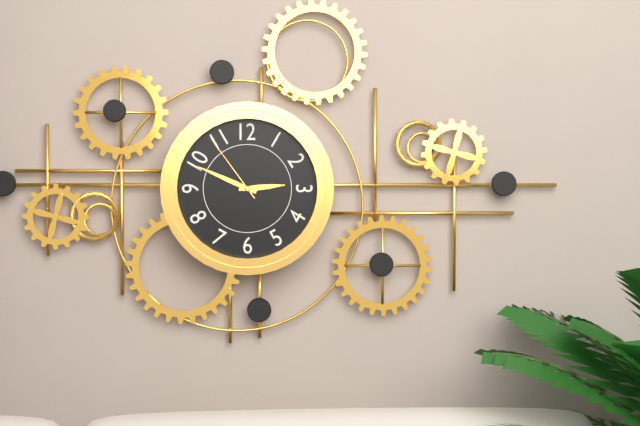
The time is 2h49m54s
